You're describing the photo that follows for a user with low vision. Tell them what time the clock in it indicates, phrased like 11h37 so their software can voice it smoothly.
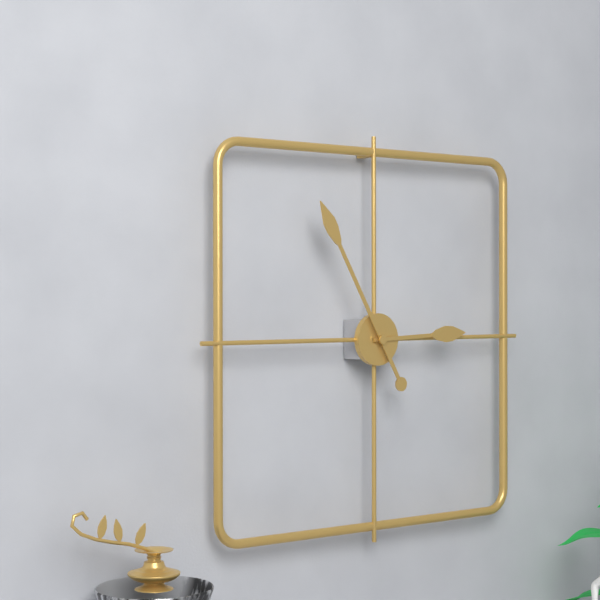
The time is 2h55
